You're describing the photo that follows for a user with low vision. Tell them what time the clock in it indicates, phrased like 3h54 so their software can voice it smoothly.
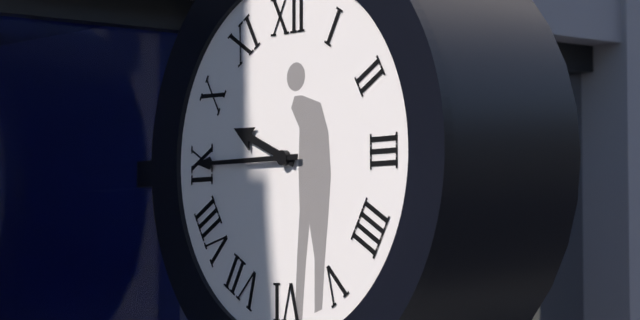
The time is 9h45
